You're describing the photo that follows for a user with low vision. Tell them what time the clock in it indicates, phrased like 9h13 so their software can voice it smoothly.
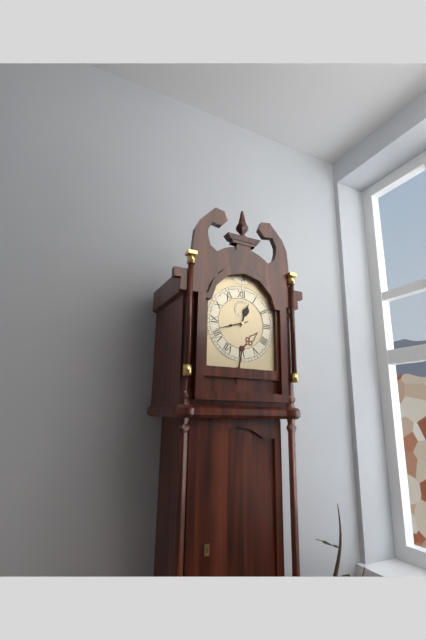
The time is 12h42
